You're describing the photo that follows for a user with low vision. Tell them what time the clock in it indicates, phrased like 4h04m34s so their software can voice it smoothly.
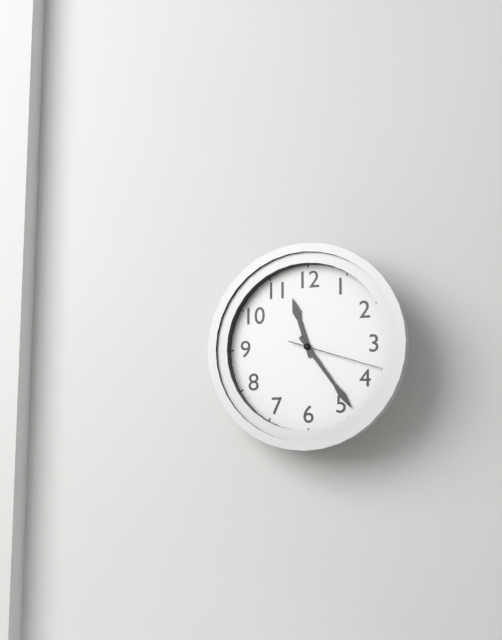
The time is 11h24m18s
